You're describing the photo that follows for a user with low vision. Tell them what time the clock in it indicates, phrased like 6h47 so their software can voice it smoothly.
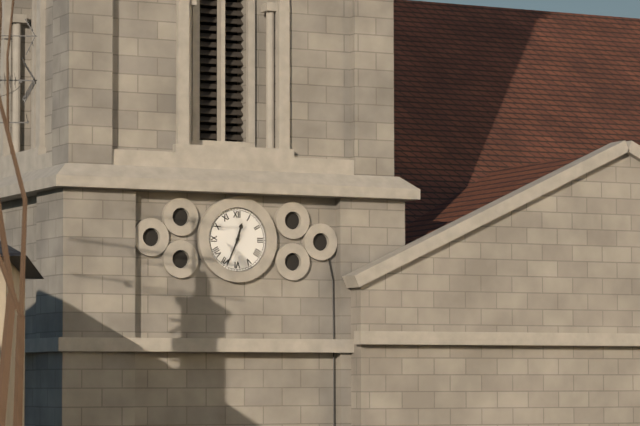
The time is 12h34
